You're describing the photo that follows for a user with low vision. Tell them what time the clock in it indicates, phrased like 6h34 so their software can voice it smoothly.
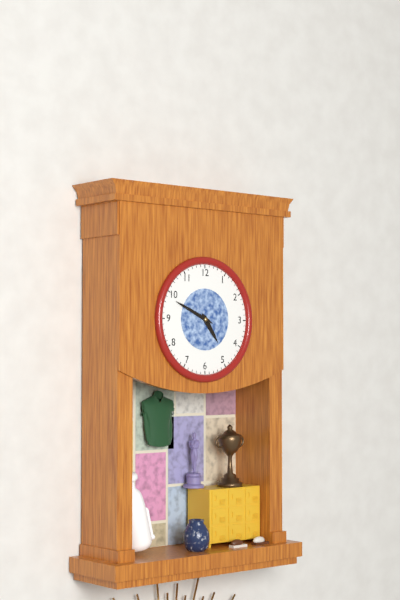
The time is 4h49
